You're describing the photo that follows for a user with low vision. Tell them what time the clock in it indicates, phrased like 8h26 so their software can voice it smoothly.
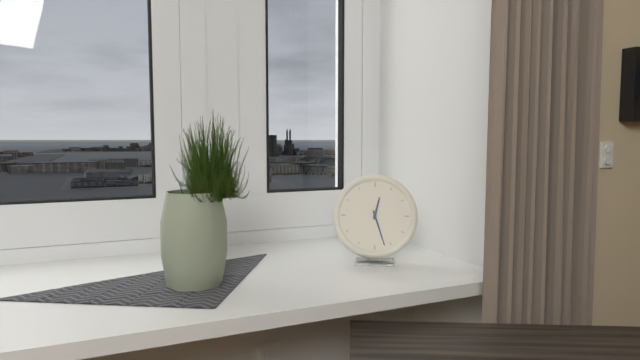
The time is 12h27
